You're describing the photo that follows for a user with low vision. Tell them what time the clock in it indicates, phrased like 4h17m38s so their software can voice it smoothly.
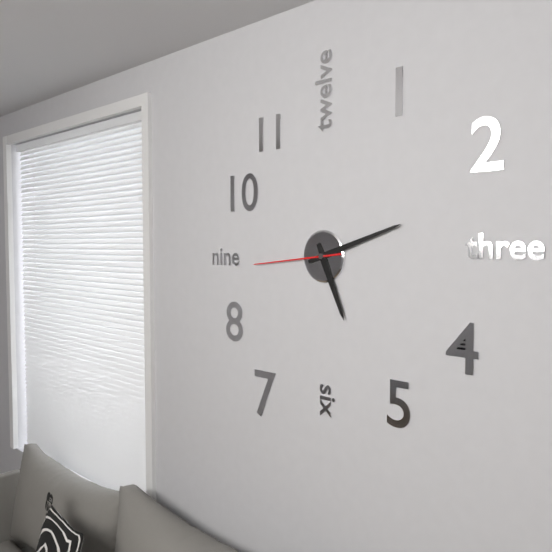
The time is 5h12m44s
